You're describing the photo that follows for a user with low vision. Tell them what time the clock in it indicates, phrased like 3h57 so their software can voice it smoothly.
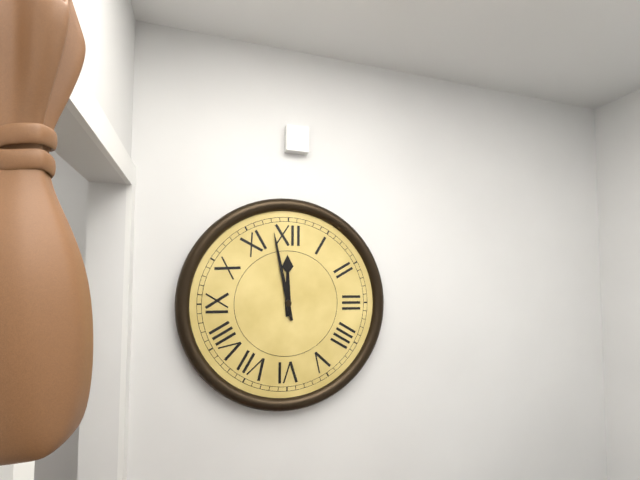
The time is 11h58
